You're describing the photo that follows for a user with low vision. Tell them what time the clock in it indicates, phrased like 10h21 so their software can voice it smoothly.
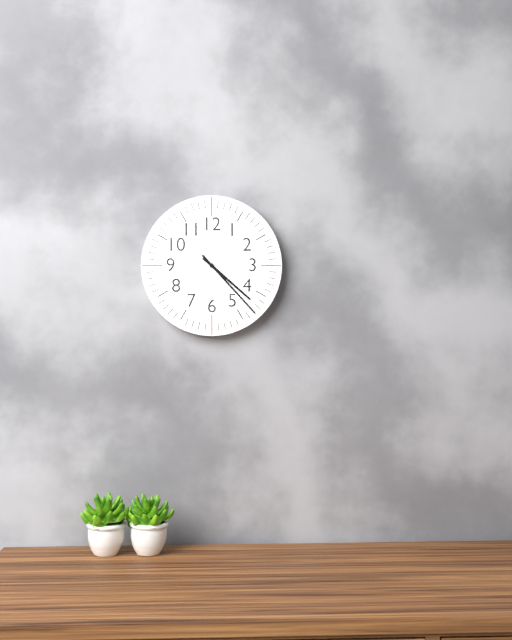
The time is 4h23
